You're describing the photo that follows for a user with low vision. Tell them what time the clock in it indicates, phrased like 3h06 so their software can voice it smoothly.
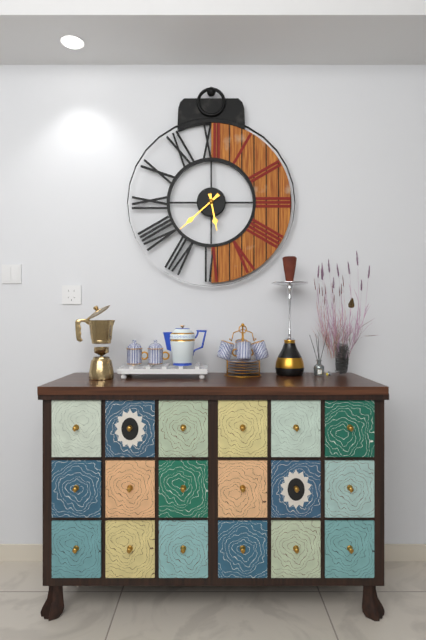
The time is 5h38
